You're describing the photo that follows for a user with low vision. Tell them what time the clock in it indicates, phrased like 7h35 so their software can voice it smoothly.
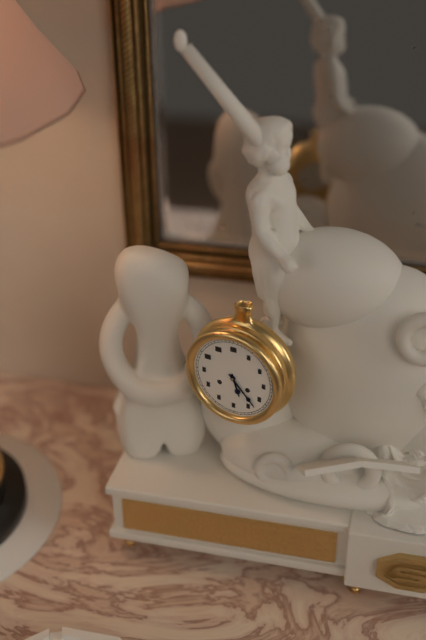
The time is 5h23
